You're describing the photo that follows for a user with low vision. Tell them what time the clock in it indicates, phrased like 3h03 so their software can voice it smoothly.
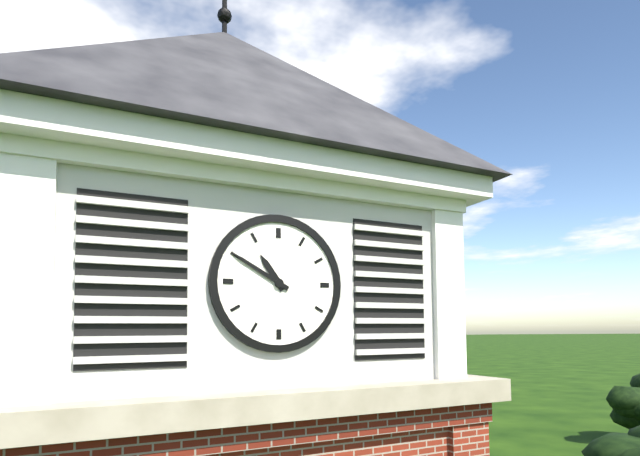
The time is 10h50
